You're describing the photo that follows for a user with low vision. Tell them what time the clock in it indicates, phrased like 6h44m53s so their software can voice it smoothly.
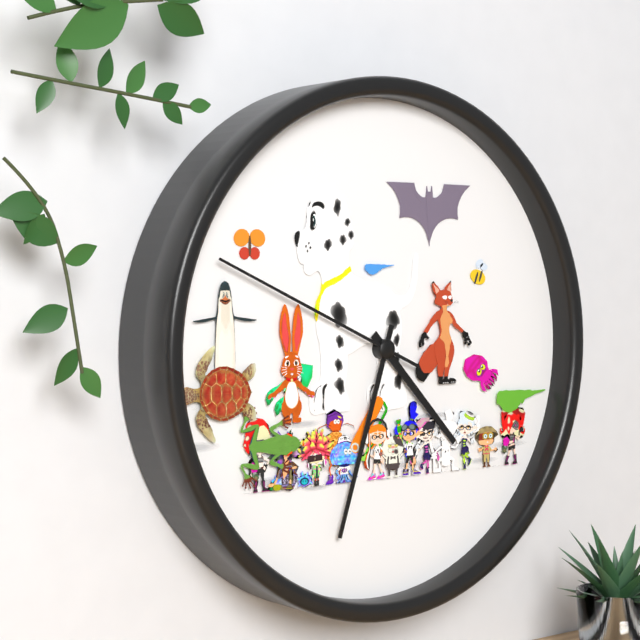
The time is 4h33m49s
